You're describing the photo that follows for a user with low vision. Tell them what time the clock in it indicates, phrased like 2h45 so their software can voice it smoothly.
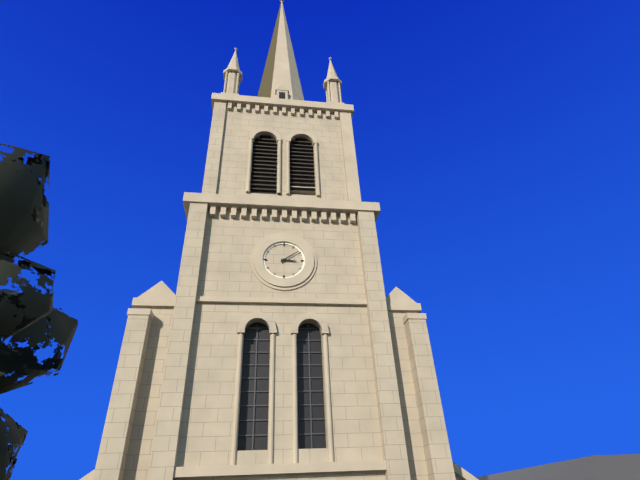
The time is 3h09
